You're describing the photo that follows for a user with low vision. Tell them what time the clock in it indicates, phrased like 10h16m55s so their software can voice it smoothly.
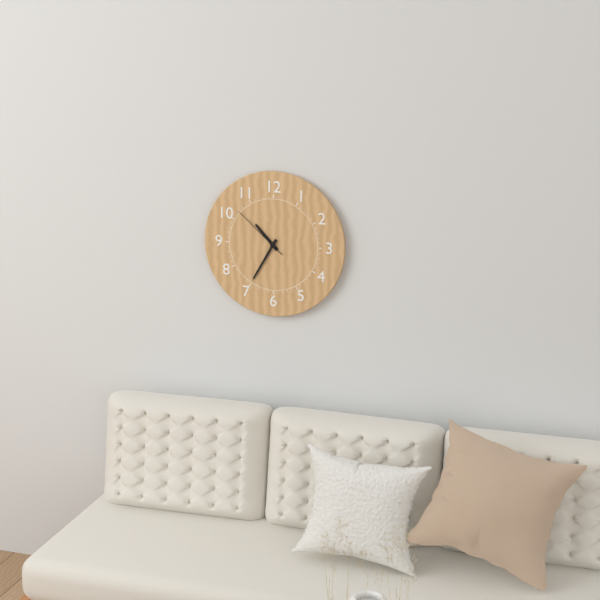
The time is 10h35m52s
